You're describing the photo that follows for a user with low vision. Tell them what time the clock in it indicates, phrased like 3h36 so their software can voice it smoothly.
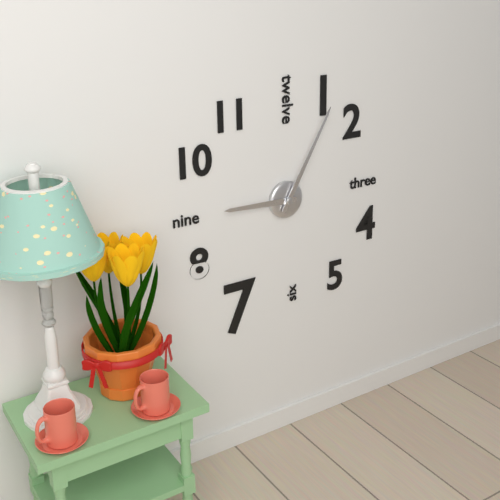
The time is 9h05
